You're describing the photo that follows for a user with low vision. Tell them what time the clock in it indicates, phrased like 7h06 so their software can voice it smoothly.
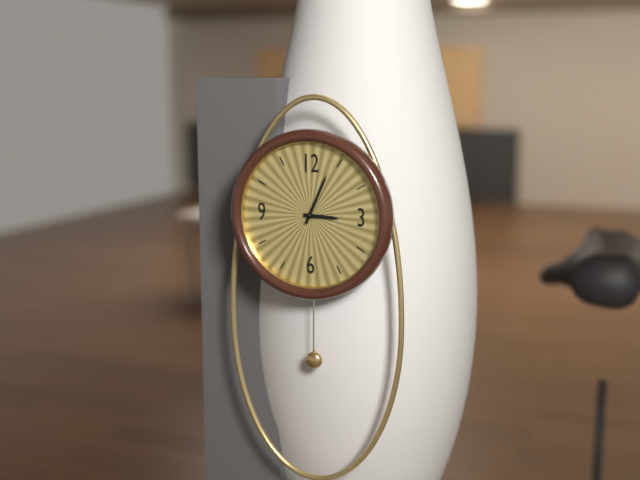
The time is 3h04
